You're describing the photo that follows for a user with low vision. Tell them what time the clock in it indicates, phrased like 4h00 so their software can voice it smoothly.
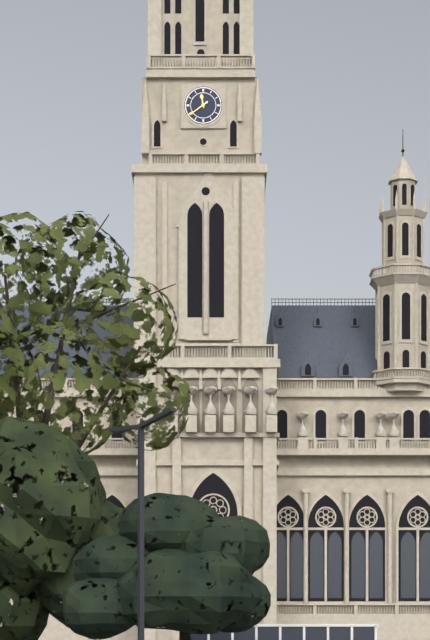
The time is 11h39
